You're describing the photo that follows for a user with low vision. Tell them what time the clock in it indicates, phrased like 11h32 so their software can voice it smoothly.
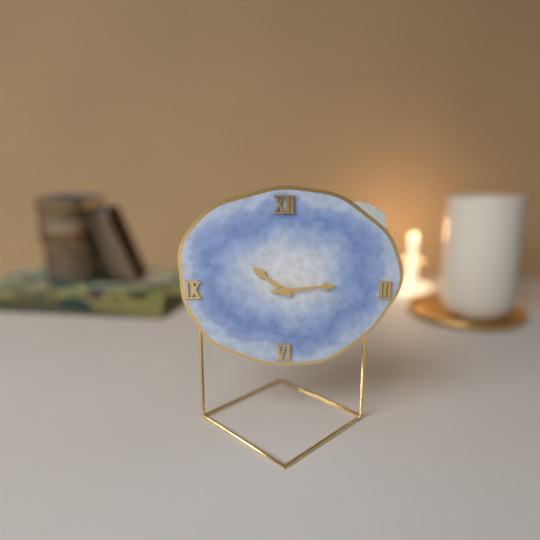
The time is 10h14
